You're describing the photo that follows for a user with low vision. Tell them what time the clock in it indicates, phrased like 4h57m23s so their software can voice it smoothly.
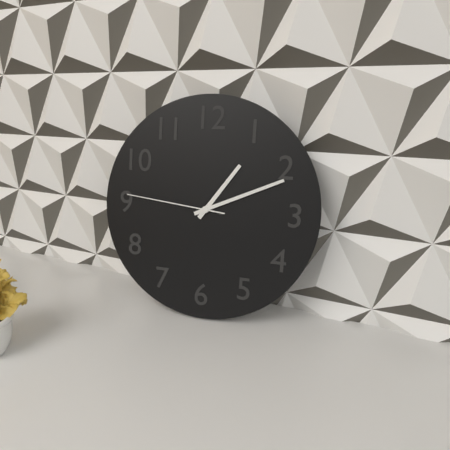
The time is 1h11m46s
